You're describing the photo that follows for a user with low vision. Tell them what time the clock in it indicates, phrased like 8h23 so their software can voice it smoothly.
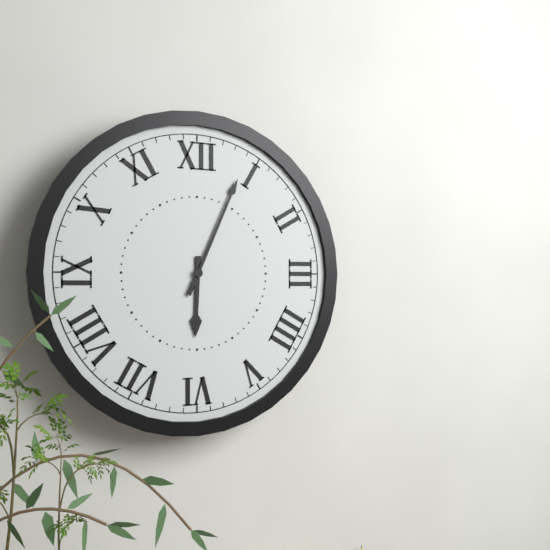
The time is 6h04
